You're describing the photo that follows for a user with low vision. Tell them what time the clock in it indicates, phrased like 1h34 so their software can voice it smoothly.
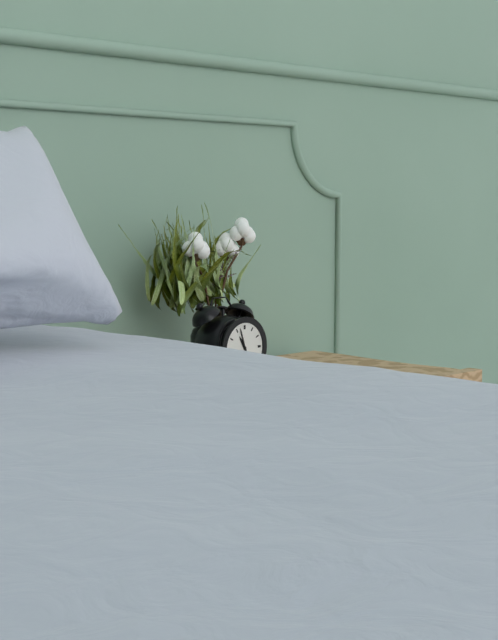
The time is 10h57
